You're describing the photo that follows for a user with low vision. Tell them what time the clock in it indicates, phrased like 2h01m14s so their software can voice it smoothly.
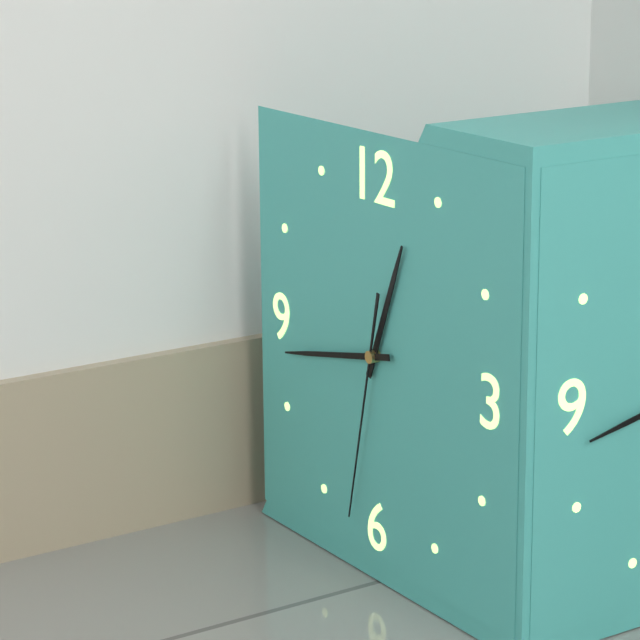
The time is 12h43m32s
